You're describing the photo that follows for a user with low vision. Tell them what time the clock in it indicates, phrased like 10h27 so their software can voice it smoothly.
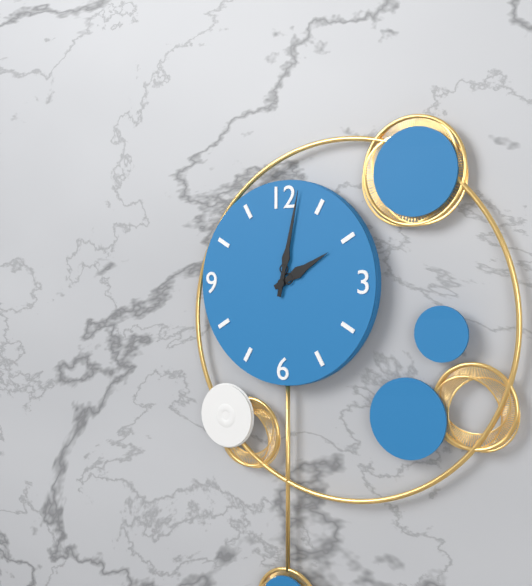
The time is 2h02
